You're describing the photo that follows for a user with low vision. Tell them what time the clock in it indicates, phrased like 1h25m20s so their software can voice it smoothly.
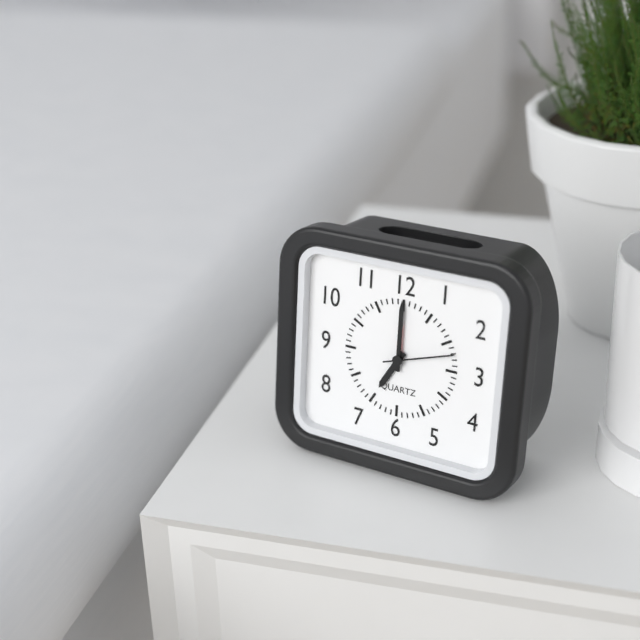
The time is 7h00m12s
